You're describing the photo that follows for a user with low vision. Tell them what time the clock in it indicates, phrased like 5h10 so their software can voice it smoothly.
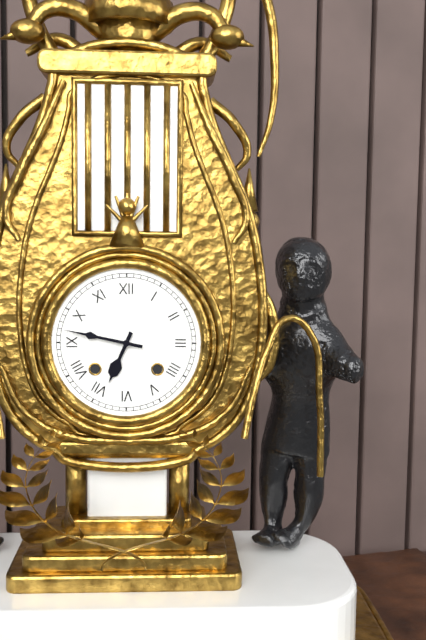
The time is 6h47
